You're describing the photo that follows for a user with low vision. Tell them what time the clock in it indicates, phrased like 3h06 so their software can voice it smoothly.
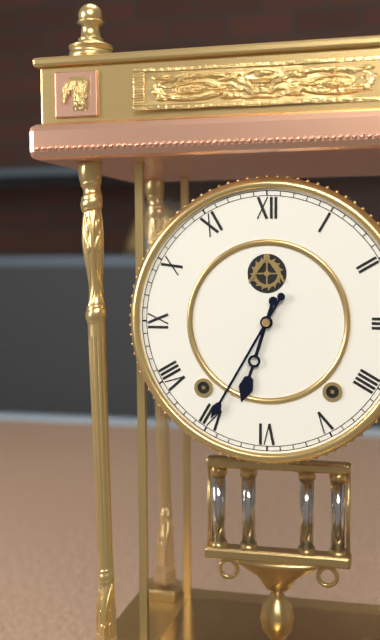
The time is 6h35
